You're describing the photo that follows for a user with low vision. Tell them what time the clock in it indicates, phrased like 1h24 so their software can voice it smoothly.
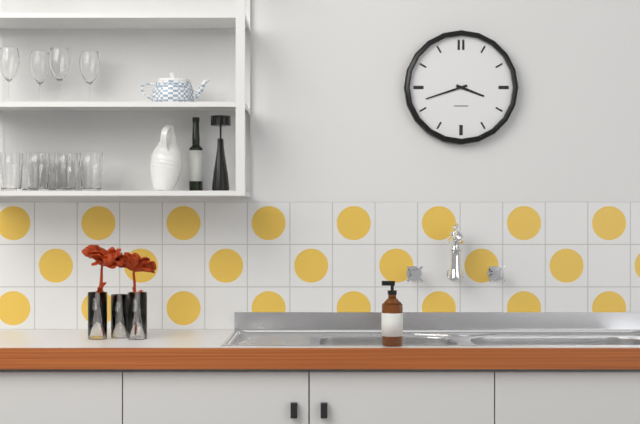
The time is 3h42
